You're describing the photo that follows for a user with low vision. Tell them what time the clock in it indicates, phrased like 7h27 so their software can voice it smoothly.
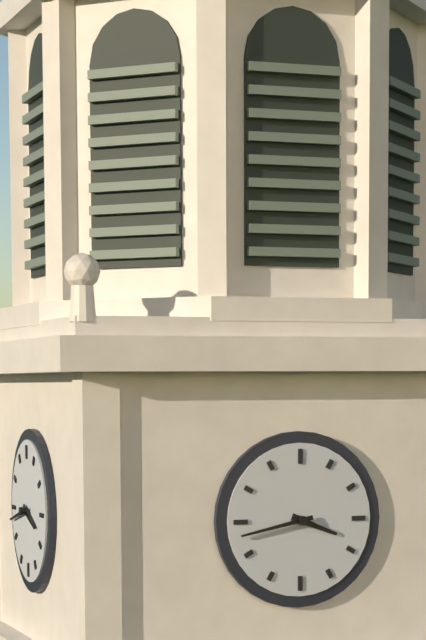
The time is 3h43
